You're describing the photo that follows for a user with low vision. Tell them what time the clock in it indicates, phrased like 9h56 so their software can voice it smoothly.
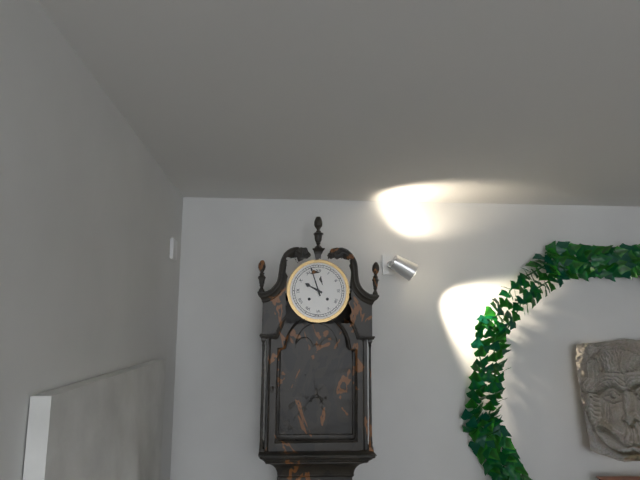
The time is 9h57
